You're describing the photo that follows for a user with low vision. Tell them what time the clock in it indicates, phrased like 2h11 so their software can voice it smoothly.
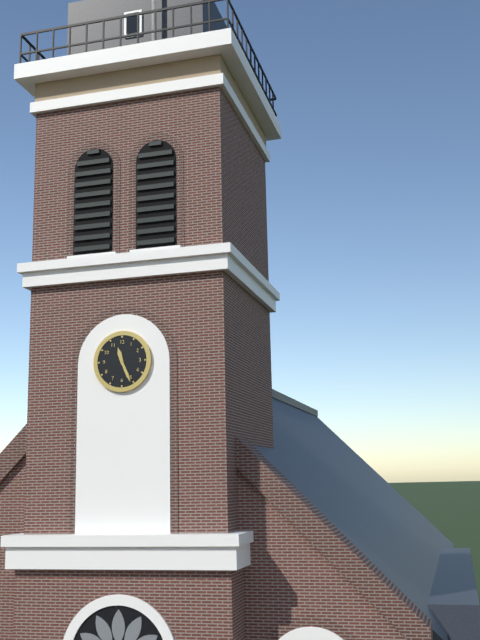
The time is 11h26
